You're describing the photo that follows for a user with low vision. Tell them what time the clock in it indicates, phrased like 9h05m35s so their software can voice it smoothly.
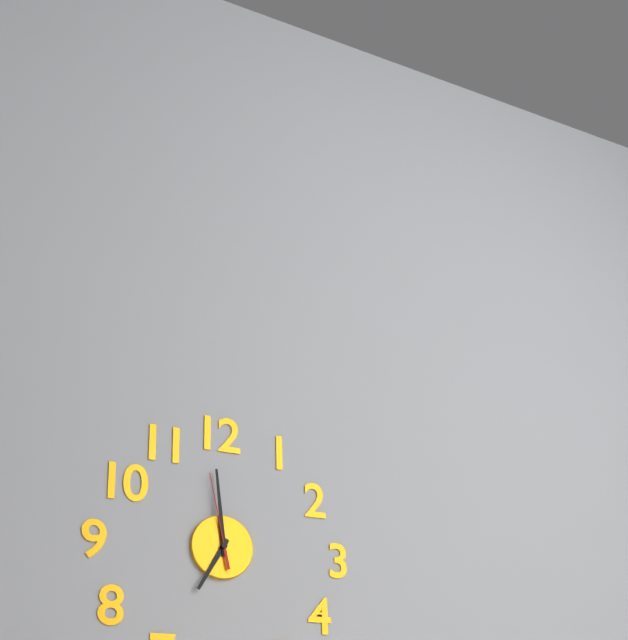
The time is 6h59m58s
